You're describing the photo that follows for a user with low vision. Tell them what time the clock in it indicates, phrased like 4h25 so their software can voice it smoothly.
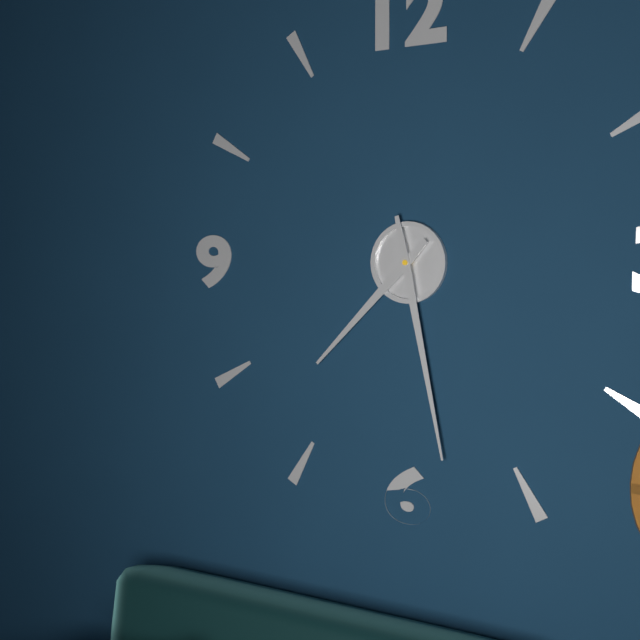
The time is 7h28
